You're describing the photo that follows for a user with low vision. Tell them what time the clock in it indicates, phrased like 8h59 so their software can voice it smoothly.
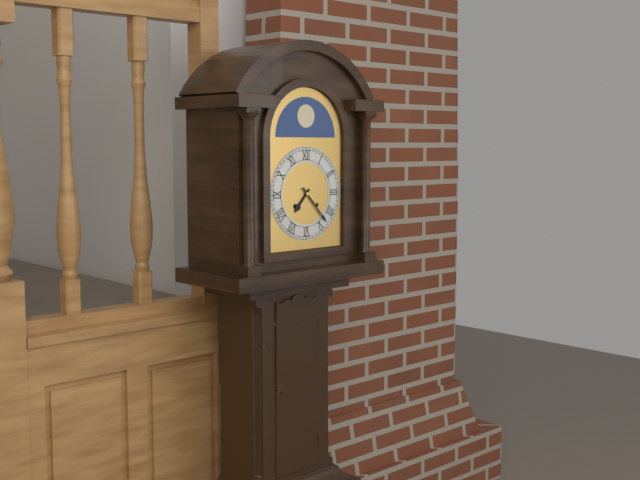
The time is 7h23
